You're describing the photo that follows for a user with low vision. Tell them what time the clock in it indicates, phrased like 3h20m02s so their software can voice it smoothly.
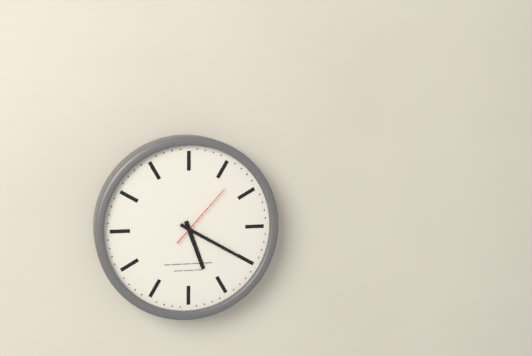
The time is 5h20m07s
